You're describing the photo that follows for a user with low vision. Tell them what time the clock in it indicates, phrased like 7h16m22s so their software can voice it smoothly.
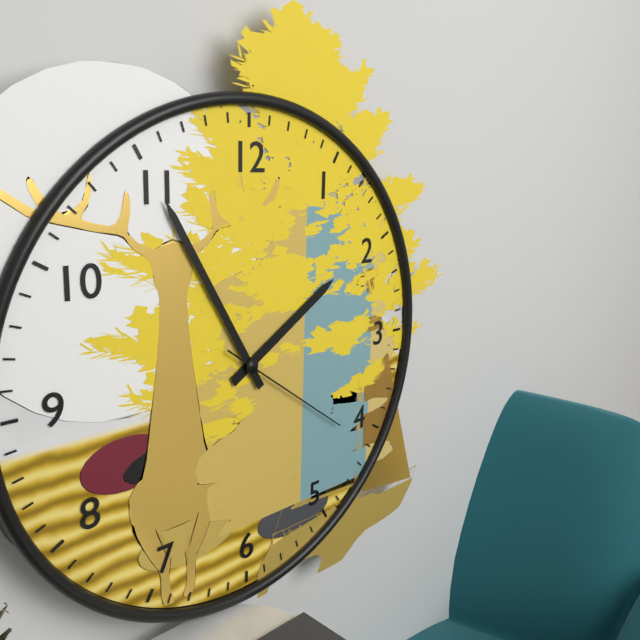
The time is 1h55m21s
